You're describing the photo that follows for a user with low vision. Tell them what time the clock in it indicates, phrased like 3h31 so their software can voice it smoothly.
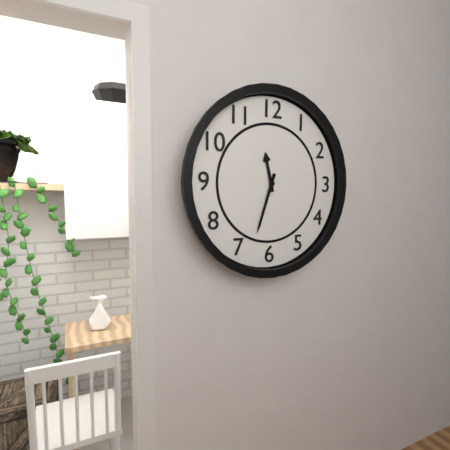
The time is 11h33
